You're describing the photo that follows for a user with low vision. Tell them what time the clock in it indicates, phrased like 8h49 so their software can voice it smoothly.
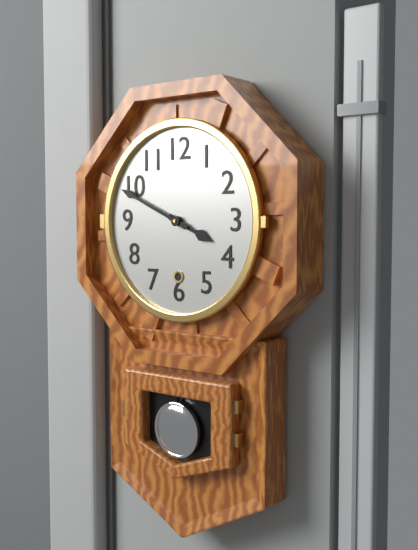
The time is 3h49
